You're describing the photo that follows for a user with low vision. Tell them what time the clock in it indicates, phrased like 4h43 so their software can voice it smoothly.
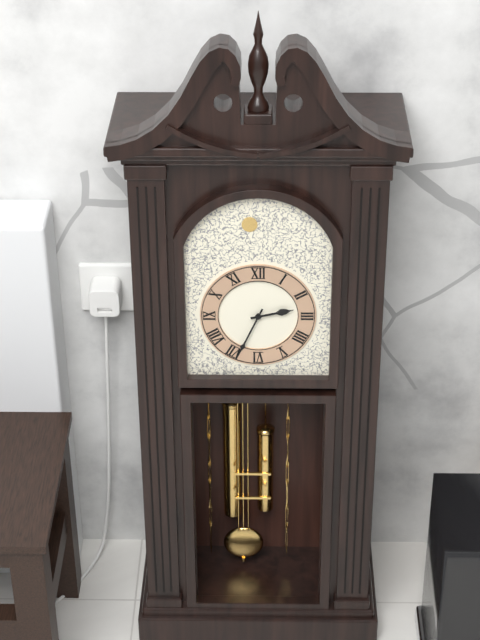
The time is 2h34
